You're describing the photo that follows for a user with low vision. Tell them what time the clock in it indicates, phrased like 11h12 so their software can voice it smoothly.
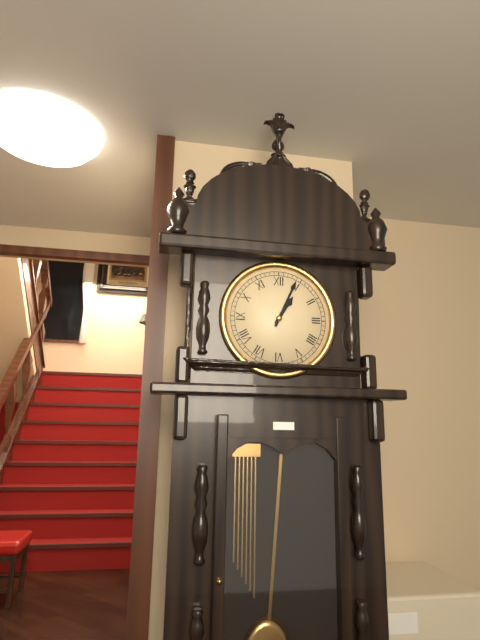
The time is 1h04
